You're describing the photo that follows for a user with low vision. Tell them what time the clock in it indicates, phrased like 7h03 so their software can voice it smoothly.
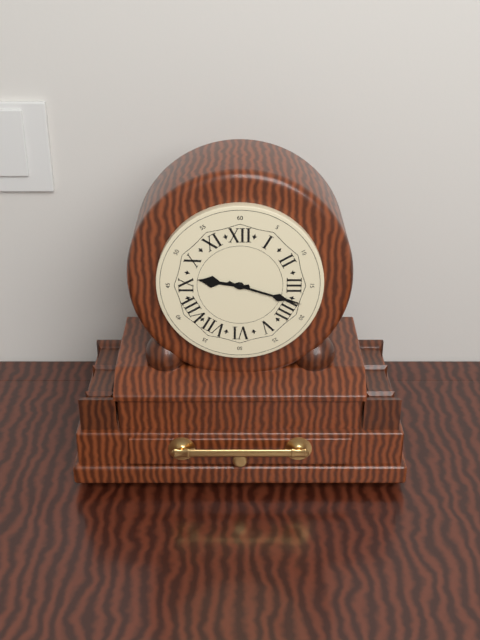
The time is 9h18
